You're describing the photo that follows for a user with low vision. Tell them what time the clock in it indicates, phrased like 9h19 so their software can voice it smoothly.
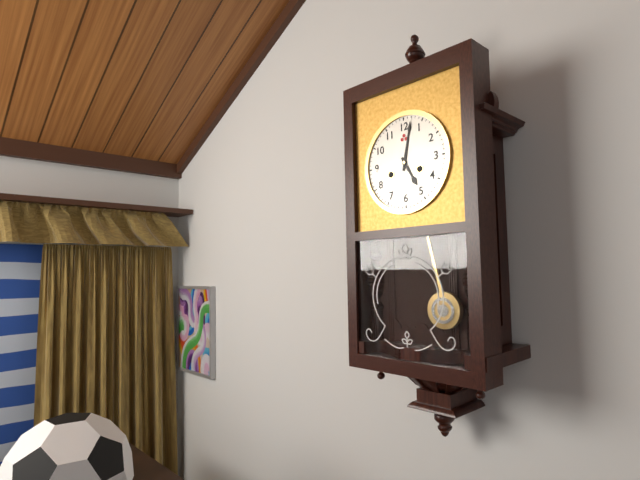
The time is 5h02
